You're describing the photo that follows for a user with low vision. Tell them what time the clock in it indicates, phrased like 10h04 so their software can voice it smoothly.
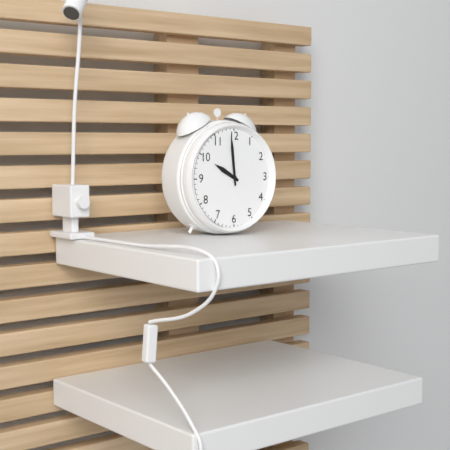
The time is 9h59
